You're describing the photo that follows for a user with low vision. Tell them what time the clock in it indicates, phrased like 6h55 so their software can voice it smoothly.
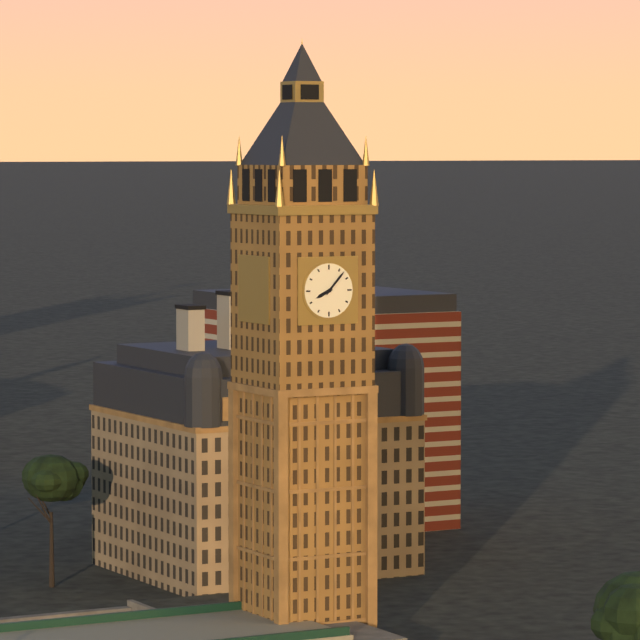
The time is 8h07
